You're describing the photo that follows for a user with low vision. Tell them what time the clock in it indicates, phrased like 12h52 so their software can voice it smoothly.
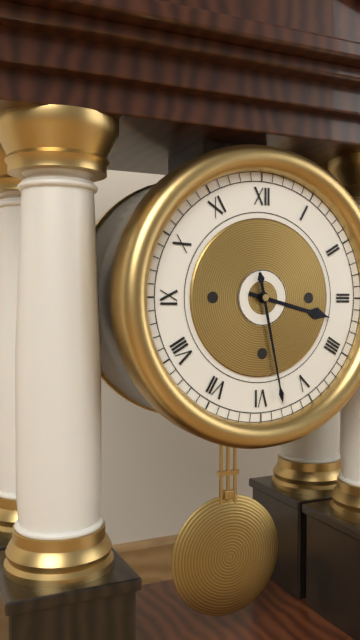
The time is 3h28
